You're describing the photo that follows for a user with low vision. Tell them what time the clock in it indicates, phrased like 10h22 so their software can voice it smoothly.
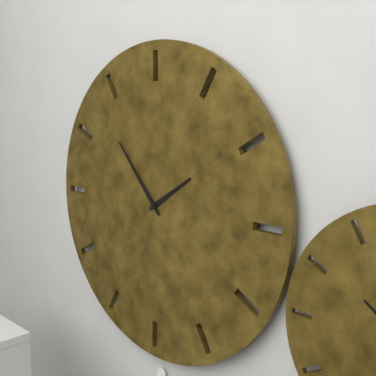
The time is 1h53
